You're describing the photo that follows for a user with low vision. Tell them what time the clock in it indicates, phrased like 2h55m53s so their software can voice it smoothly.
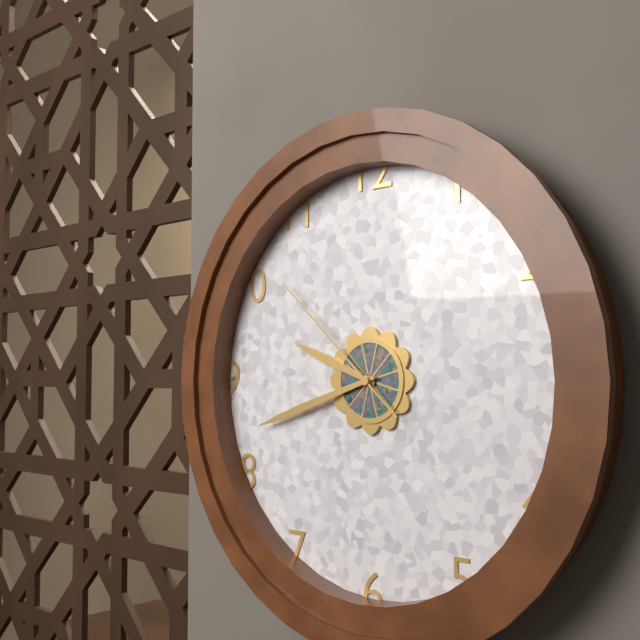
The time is 9h42m52s
